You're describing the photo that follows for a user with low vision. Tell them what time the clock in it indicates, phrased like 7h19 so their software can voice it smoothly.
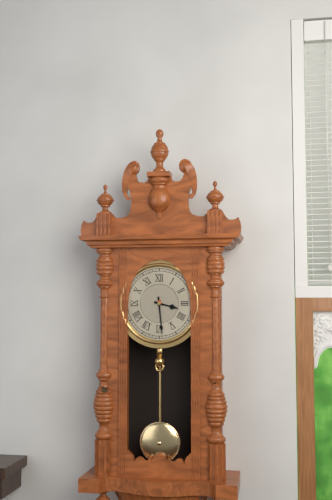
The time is 3h29
